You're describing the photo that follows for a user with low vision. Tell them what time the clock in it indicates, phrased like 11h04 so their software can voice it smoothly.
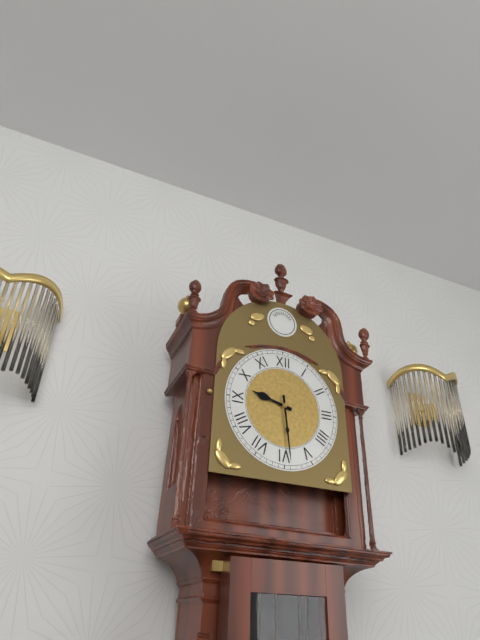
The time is 9h29
